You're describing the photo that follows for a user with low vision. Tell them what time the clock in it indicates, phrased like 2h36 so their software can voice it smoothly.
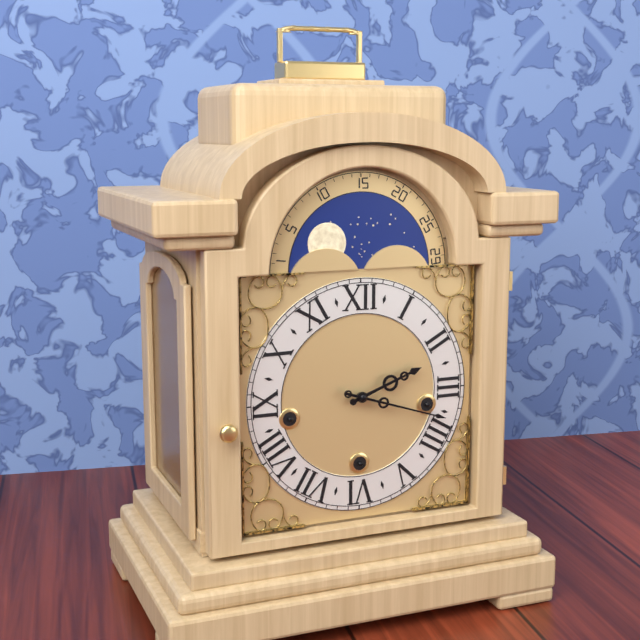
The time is 2h18
